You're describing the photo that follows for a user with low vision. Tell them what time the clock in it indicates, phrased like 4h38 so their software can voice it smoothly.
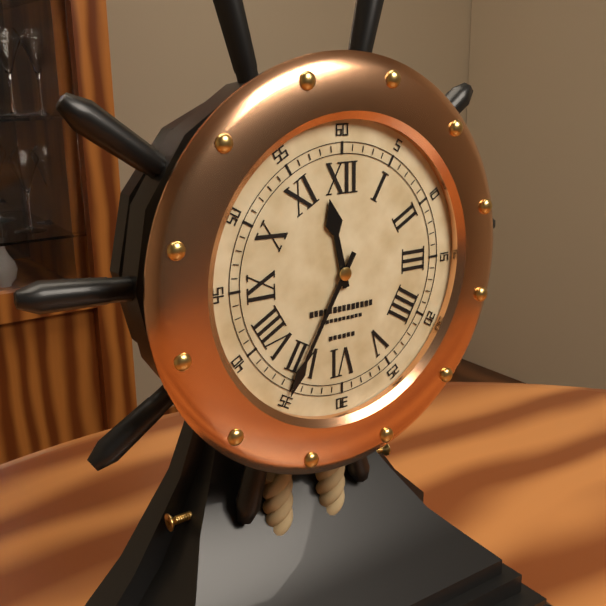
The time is 11h35
